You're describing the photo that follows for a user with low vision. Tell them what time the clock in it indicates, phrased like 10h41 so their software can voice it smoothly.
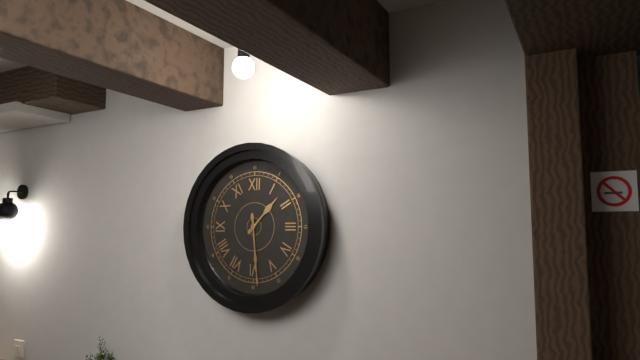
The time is 1h29
